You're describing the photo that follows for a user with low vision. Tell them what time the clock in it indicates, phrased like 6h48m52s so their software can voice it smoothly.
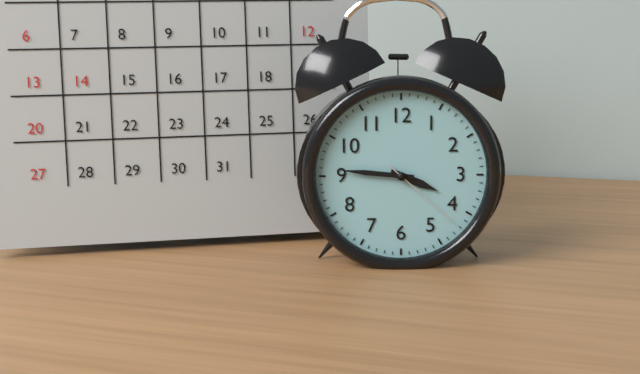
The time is 3h46m22s
